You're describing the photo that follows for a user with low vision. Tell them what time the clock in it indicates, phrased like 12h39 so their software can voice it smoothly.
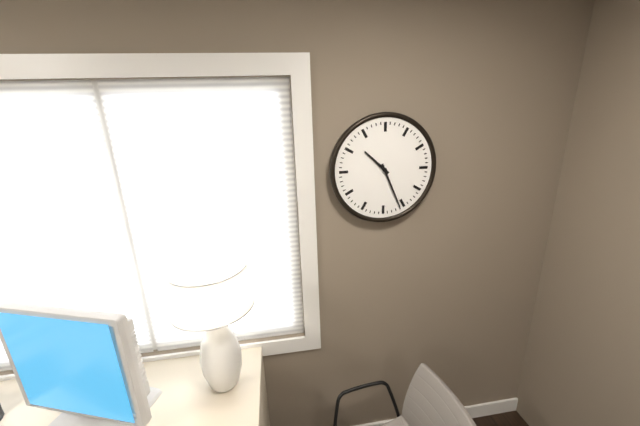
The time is 10h26
